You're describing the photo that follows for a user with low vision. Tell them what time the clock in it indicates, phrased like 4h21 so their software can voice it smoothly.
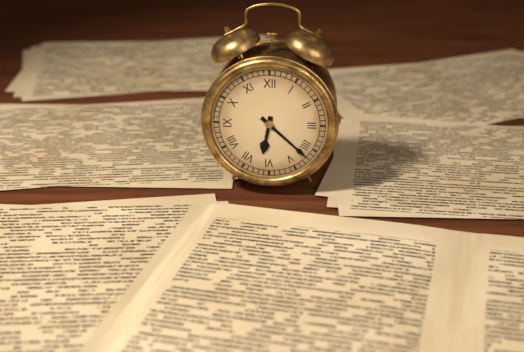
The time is 6h22
